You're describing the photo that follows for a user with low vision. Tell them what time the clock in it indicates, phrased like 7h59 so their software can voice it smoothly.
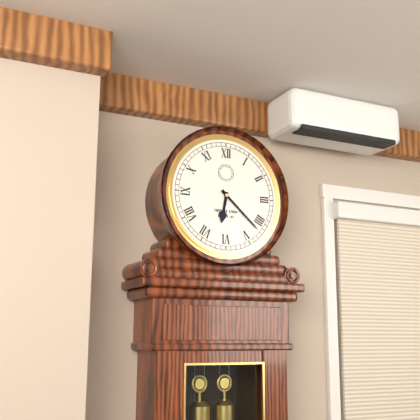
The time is 6h22
